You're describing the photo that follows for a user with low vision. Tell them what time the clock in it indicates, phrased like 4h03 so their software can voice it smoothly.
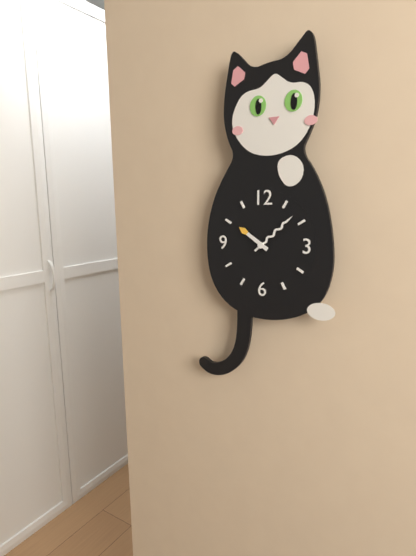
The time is 10h08
